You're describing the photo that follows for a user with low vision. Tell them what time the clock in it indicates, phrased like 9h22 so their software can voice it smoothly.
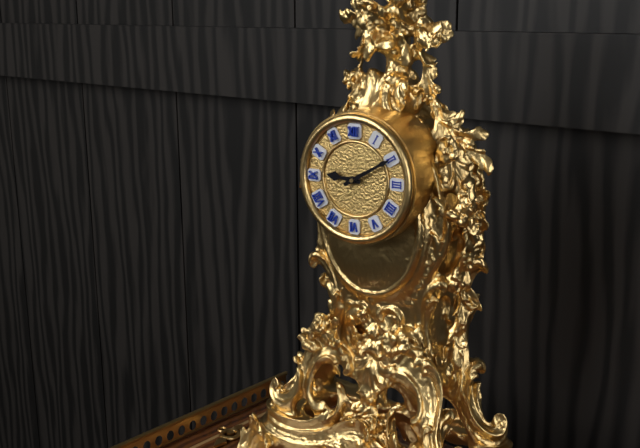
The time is 9h10
